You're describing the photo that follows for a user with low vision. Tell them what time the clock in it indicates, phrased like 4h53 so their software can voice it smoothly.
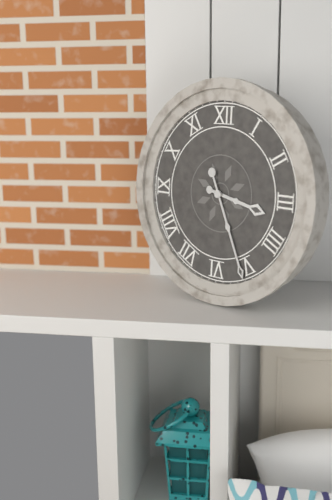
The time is 3h26
